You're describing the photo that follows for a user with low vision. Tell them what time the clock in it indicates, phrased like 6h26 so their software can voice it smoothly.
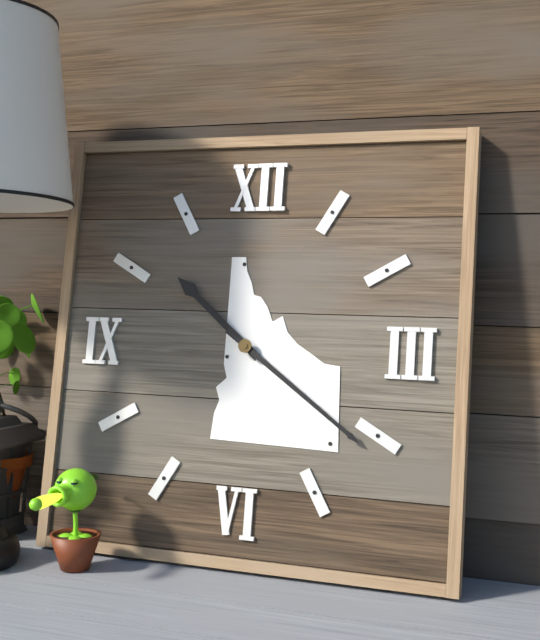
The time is 10h21
